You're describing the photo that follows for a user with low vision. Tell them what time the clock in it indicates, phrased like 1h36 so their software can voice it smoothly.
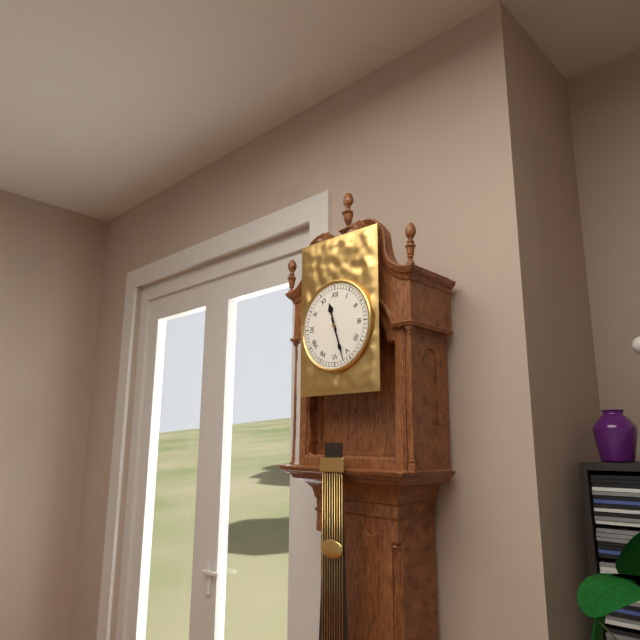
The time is 11h27
